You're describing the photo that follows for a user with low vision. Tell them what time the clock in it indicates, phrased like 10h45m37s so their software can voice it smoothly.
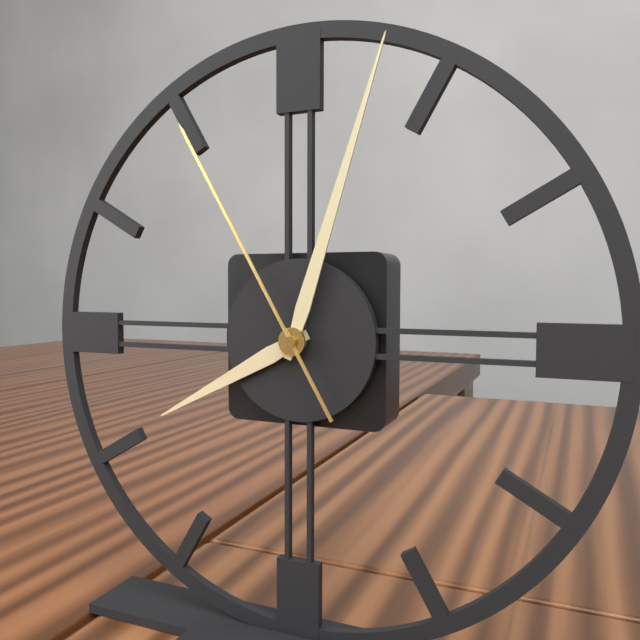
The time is 8h03m55s
